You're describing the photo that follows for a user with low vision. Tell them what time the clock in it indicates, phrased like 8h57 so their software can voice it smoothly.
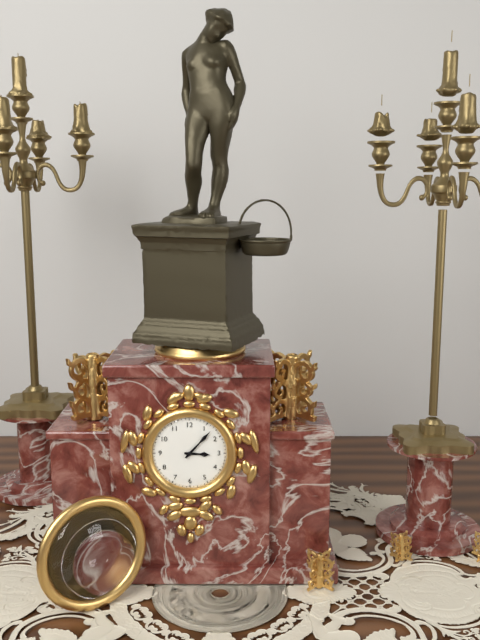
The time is 3h07
